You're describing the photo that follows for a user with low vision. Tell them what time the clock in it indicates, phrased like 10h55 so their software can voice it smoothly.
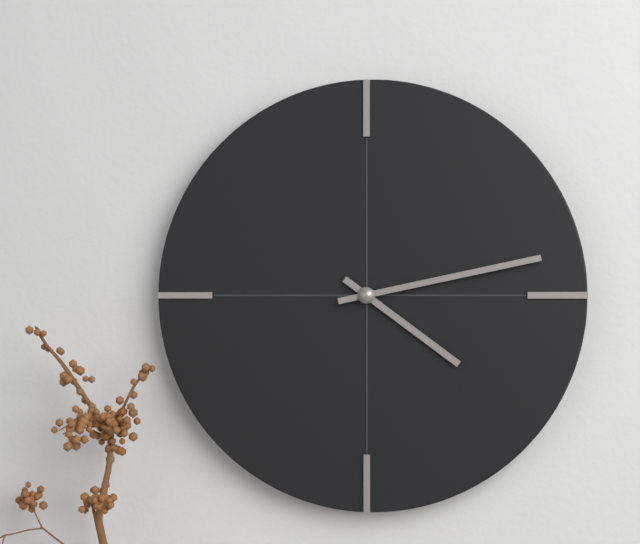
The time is 4h13
